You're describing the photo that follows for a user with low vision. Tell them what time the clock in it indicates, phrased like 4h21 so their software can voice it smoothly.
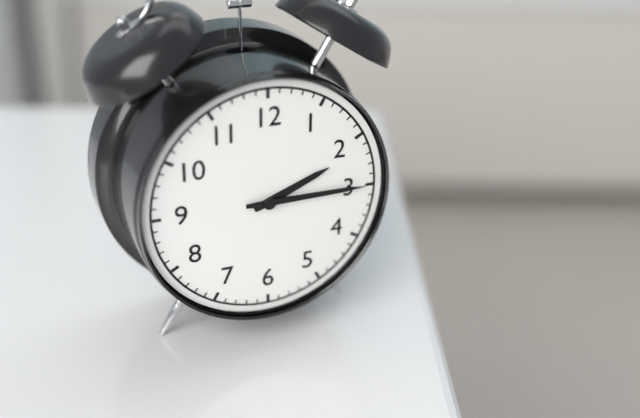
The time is 2h15
